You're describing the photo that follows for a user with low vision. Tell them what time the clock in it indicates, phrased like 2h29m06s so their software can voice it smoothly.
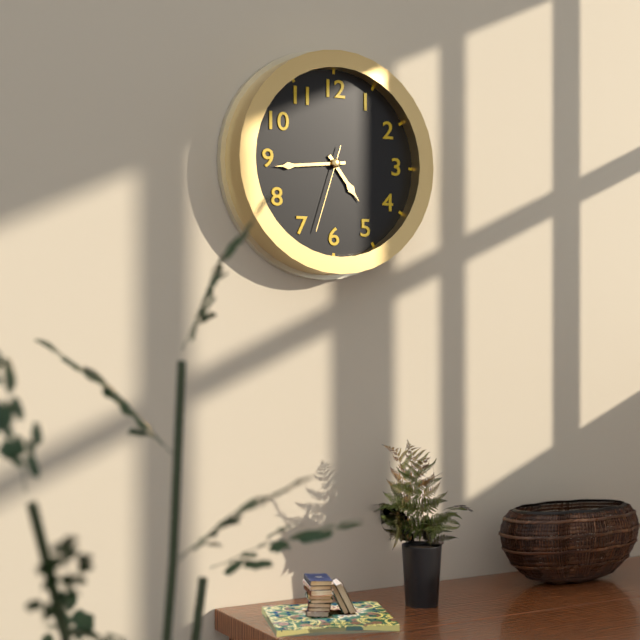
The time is 4h44m33s
